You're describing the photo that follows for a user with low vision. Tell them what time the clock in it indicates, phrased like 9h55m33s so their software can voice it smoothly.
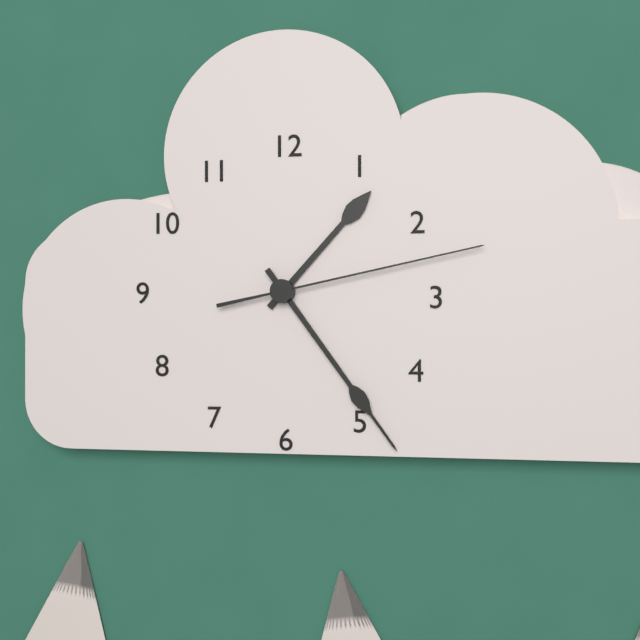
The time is 1h24m13s
